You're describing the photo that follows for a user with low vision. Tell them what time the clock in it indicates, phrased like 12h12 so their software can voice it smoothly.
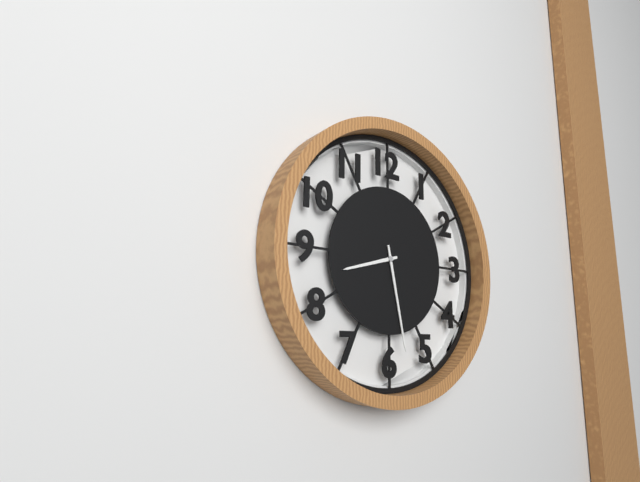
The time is 8h28
